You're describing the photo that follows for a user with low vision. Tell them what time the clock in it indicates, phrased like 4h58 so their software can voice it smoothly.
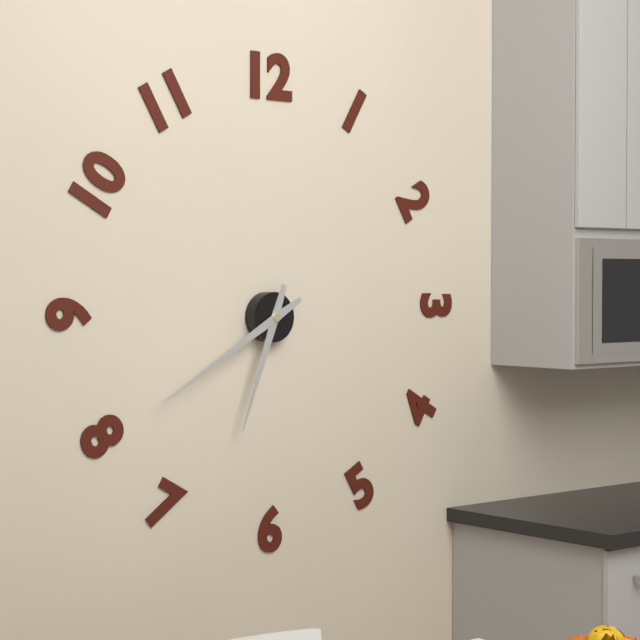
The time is 6h40
